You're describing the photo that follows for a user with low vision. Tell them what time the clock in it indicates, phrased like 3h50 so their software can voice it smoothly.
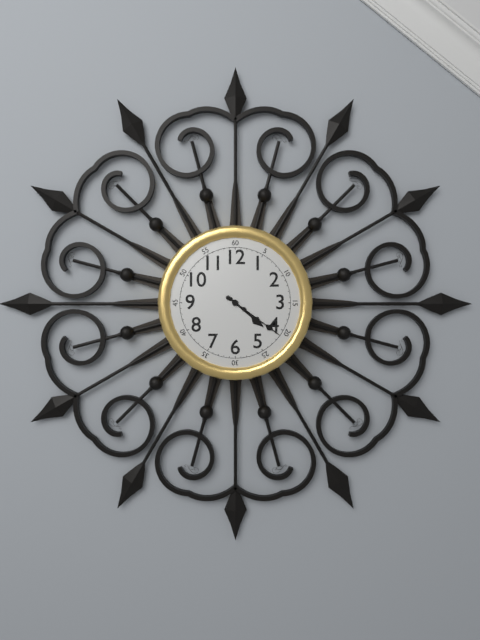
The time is 4h21
